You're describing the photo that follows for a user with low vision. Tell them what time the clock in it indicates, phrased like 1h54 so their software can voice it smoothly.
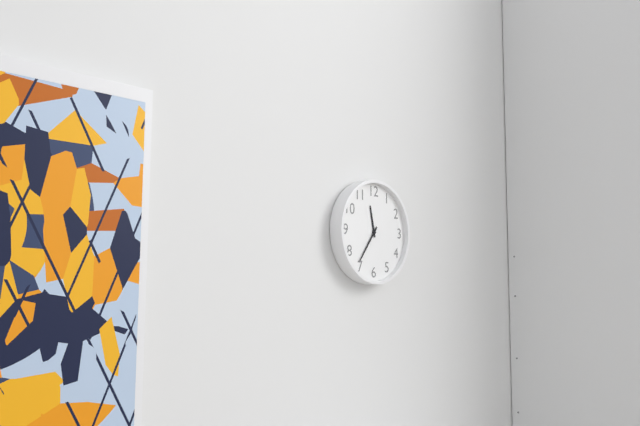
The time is 11h36
